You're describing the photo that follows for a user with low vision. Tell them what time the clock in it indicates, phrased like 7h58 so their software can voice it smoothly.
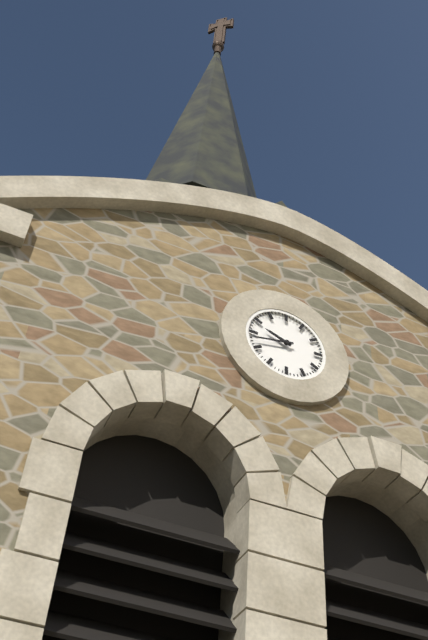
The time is 9h43
